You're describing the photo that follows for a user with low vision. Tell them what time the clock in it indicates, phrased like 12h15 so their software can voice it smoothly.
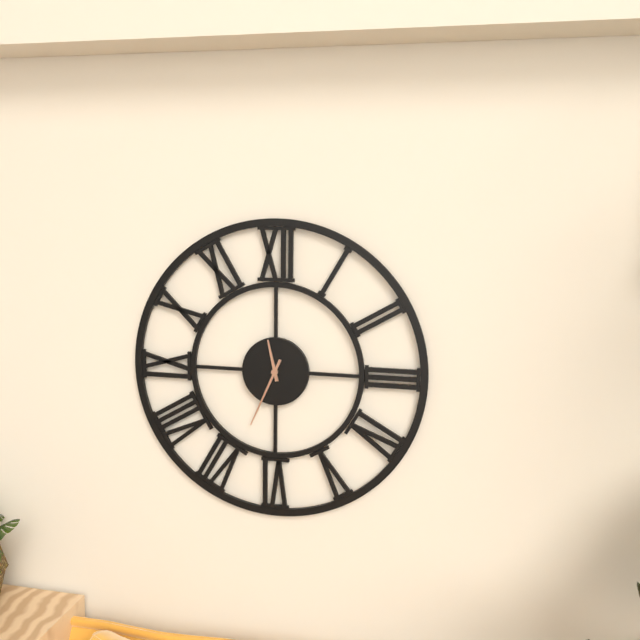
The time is 11h34
